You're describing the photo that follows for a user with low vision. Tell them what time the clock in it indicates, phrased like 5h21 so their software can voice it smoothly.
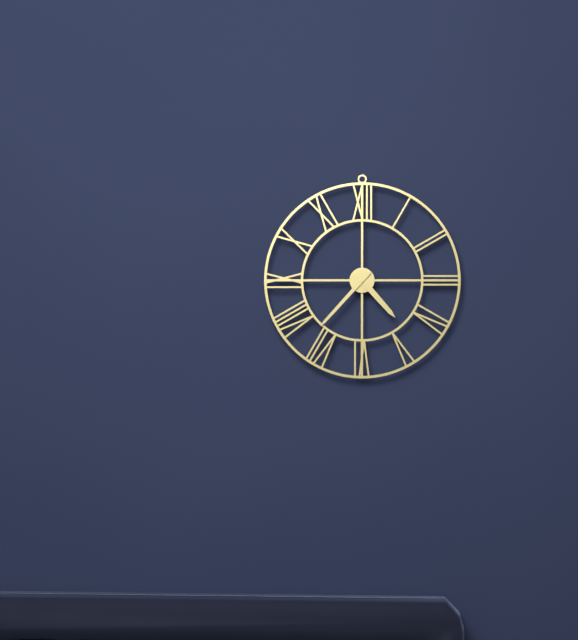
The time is 4h37
